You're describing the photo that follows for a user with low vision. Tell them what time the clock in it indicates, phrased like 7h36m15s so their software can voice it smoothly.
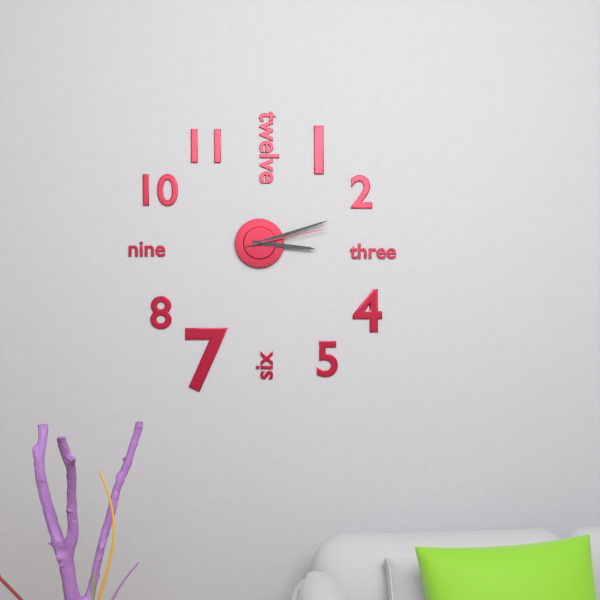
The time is 3h12m13s
